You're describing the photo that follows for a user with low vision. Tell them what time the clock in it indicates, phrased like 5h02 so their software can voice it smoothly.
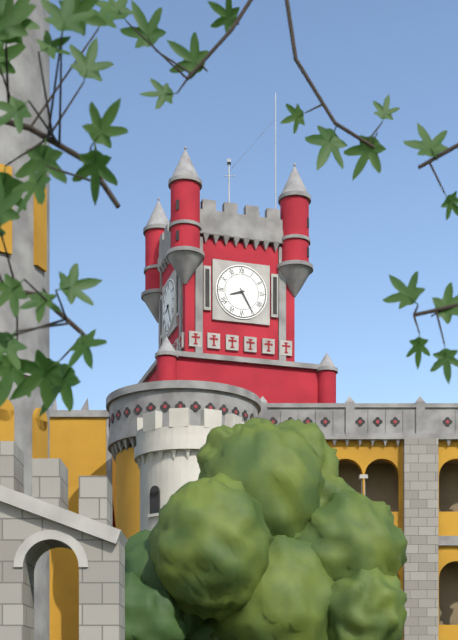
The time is 8h25
